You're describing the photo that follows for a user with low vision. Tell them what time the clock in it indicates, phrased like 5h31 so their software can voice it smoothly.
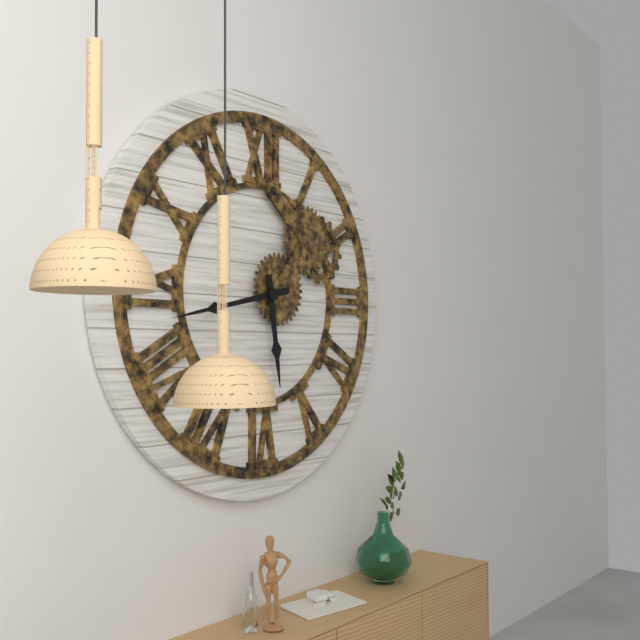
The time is 5h43
